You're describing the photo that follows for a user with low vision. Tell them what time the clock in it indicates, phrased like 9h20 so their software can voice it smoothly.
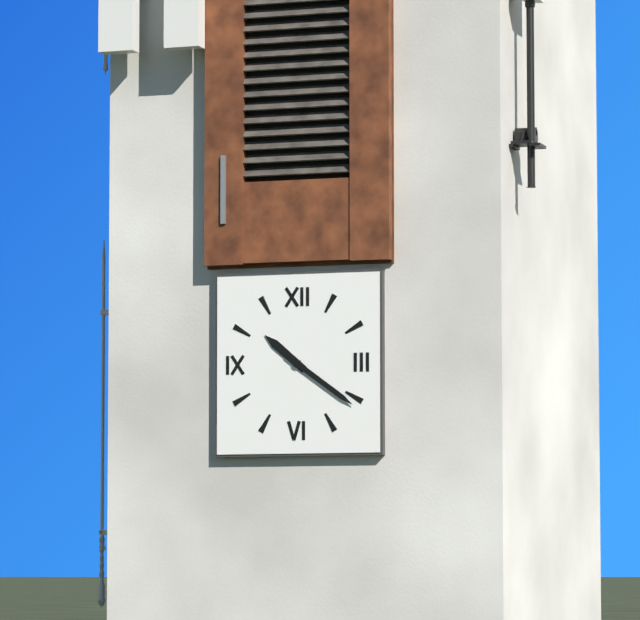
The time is 10h21
